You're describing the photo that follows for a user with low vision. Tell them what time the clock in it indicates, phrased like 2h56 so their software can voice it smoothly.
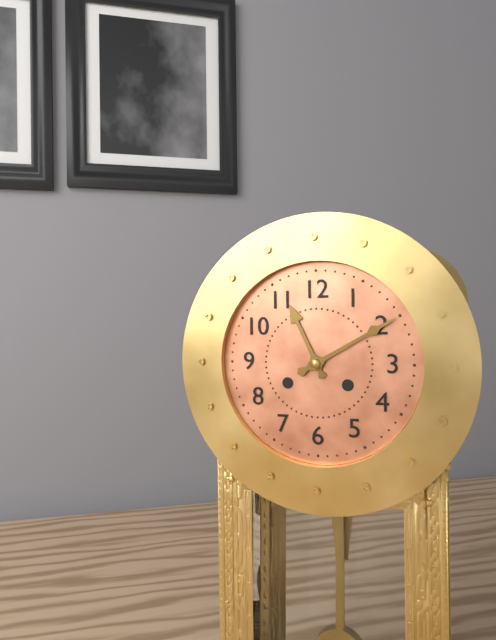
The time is 11h10
